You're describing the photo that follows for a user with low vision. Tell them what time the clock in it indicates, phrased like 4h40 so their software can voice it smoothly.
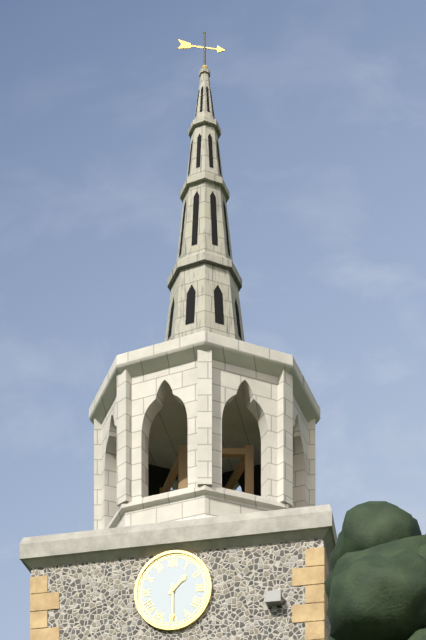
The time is 1h30
